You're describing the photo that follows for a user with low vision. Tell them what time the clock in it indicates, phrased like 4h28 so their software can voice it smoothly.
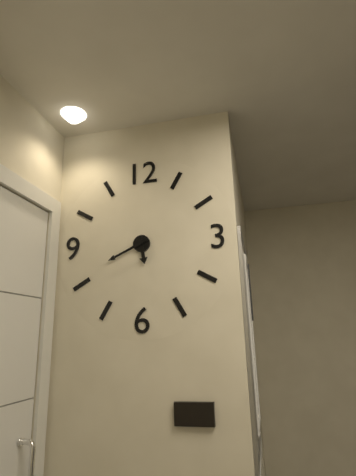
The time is 5h41
